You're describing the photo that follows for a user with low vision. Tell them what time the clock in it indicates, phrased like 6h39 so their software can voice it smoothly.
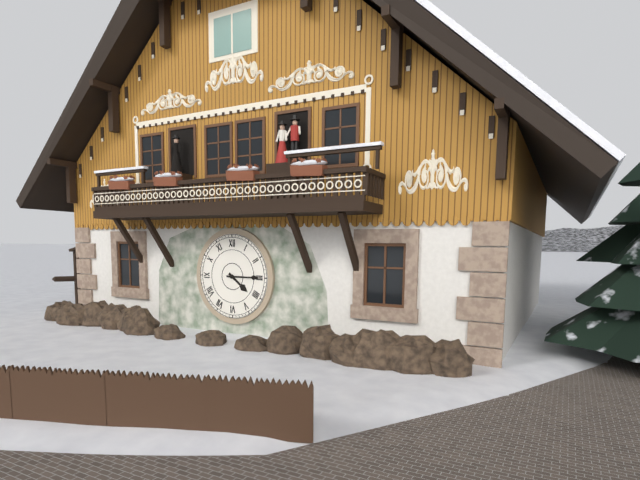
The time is 4h15
